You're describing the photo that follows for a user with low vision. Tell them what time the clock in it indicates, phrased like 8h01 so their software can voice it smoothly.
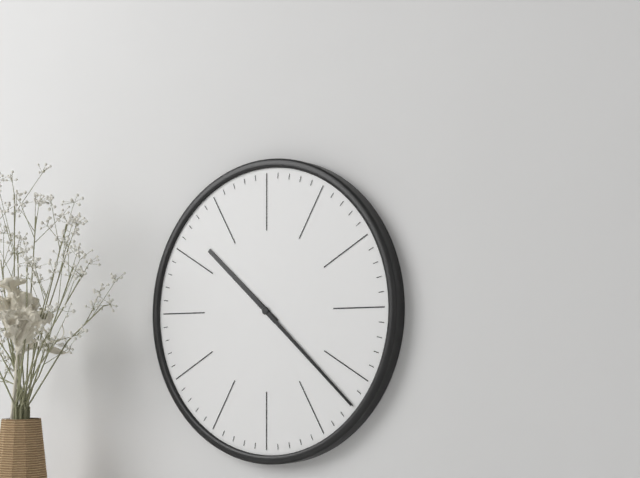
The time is 10h22
